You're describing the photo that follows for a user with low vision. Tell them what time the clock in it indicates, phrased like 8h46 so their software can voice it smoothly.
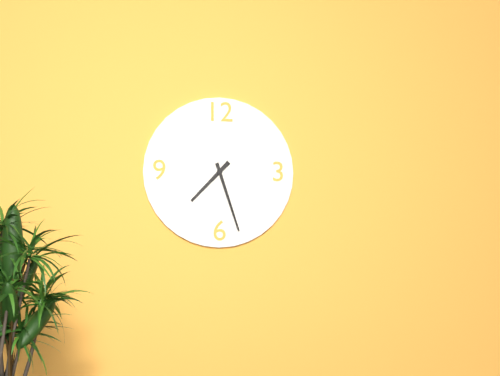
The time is 7h27
